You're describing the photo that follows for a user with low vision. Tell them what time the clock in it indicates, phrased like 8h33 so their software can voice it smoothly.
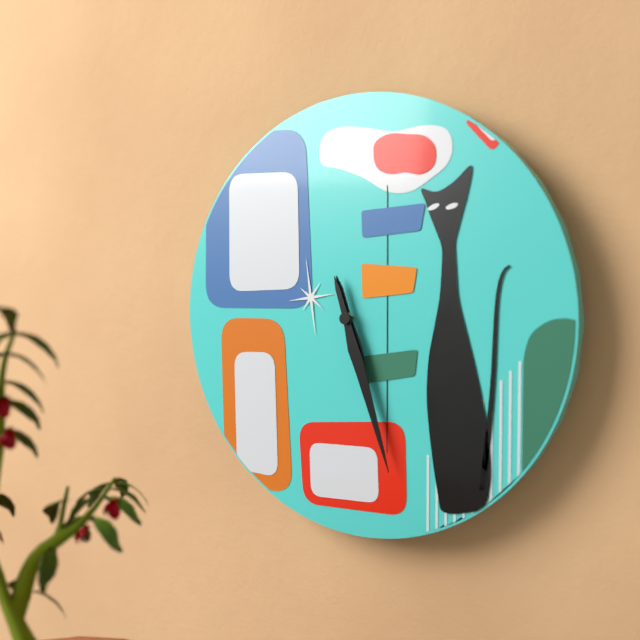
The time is 5h27
